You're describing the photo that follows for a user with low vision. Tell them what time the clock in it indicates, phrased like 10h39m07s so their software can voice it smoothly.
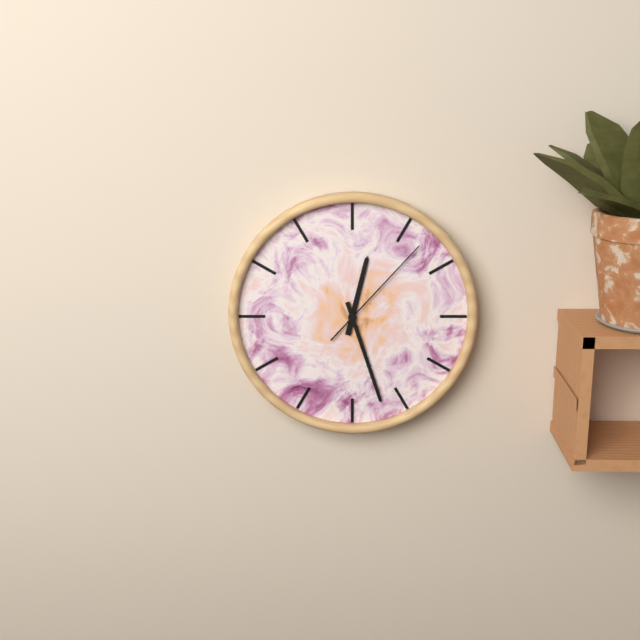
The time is 12h27m07s
